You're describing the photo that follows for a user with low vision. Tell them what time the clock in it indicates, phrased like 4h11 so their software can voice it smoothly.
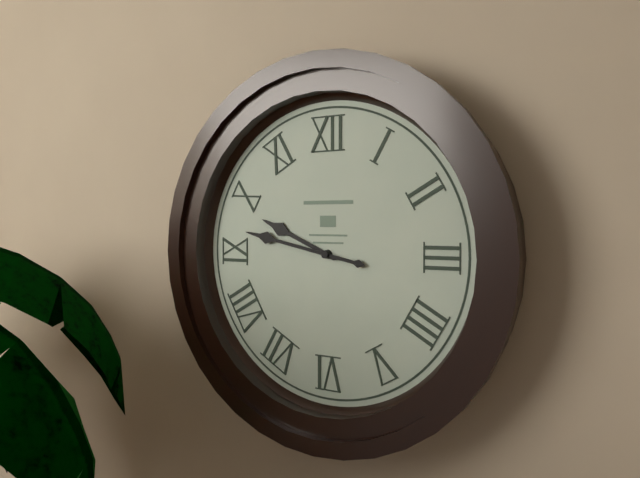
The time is 9h47
